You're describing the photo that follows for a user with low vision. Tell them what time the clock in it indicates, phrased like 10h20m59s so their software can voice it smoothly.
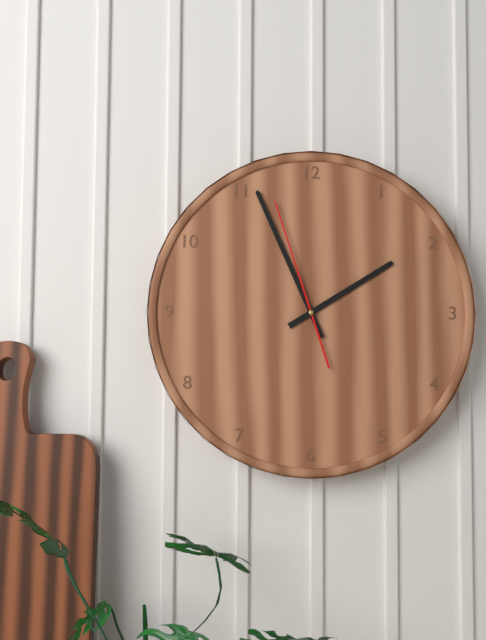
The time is 1h56m57s
